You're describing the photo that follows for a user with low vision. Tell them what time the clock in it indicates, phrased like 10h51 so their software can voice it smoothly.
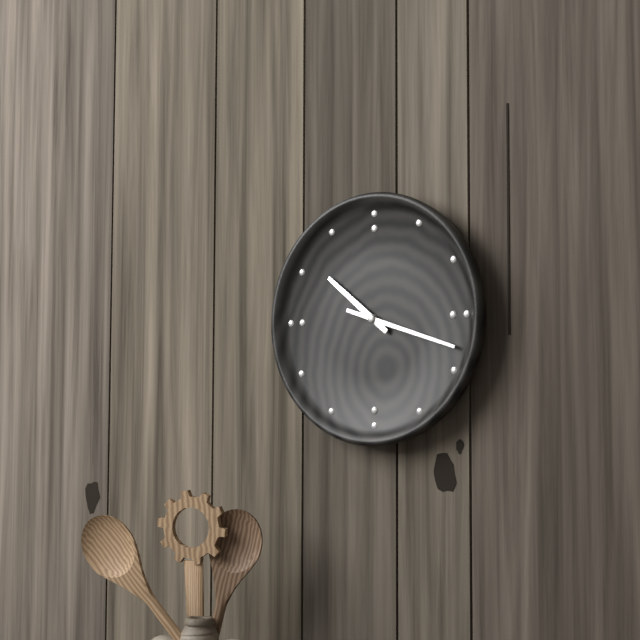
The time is 10h18
